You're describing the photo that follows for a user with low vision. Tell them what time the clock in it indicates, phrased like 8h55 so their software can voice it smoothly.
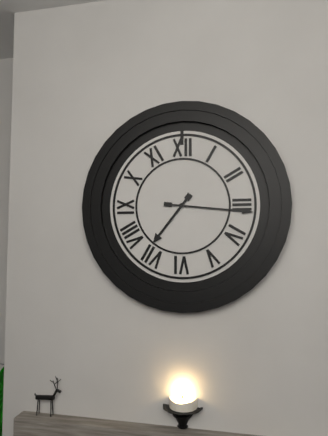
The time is 7h16
